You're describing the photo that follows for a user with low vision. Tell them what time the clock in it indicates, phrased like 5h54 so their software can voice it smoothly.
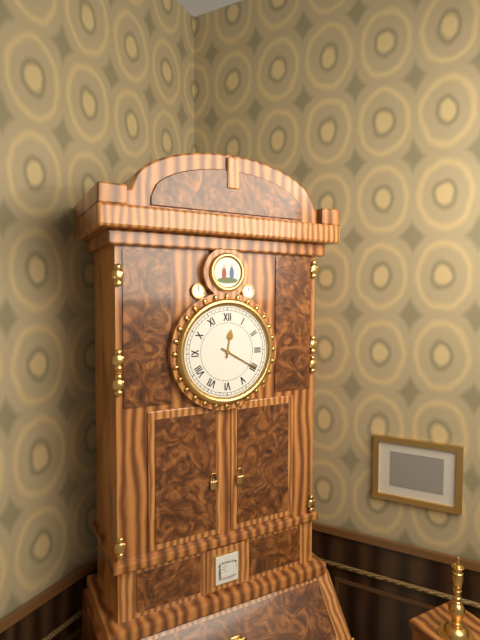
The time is 12h20
